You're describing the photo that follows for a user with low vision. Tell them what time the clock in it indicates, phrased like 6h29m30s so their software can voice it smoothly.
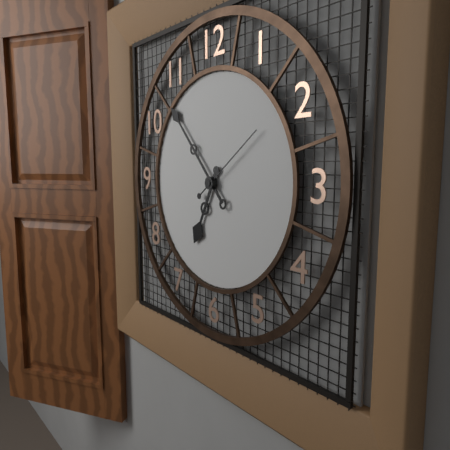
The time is 6h53m09s
